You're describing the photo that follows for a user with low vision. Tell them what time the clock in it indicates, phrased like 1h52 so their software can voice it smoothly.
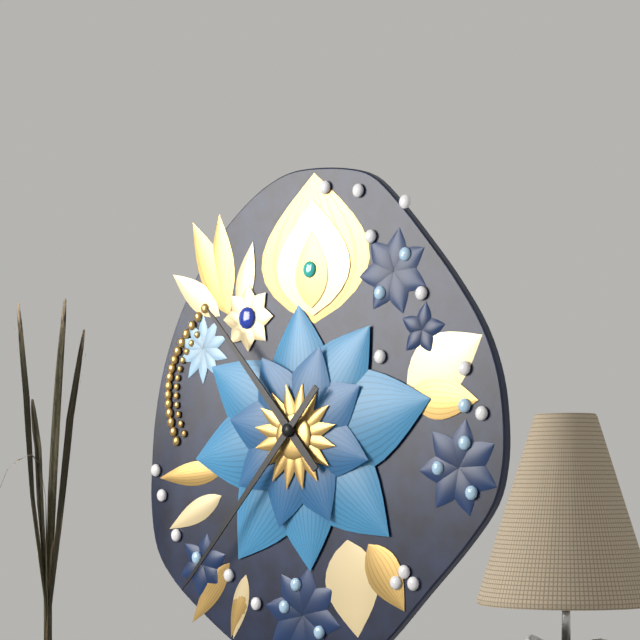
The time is 10h37
